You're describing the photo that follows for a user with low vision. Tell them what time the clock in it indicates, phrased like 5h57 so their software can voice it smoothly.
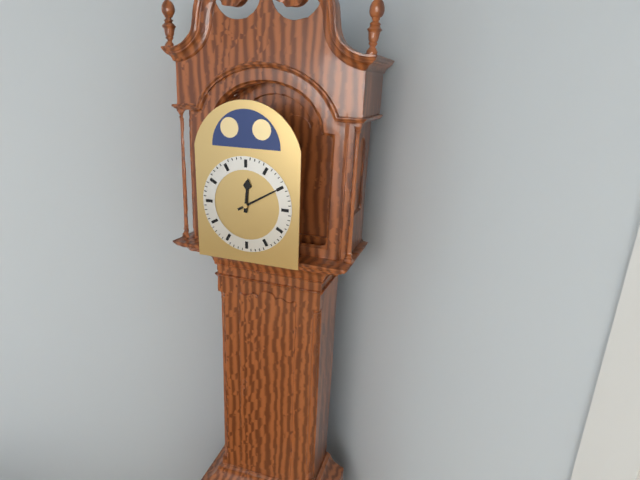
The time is 12h10
